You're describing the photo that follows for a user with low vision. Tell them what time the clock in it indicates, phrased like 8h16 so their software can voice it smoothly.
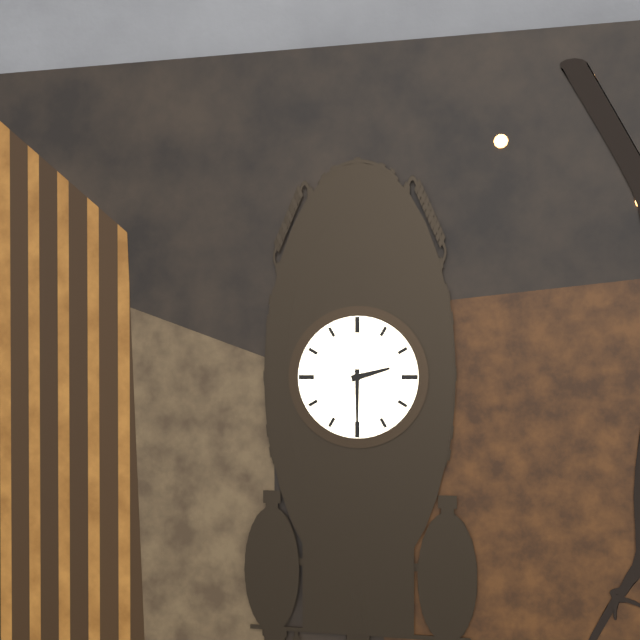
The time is 2h30
